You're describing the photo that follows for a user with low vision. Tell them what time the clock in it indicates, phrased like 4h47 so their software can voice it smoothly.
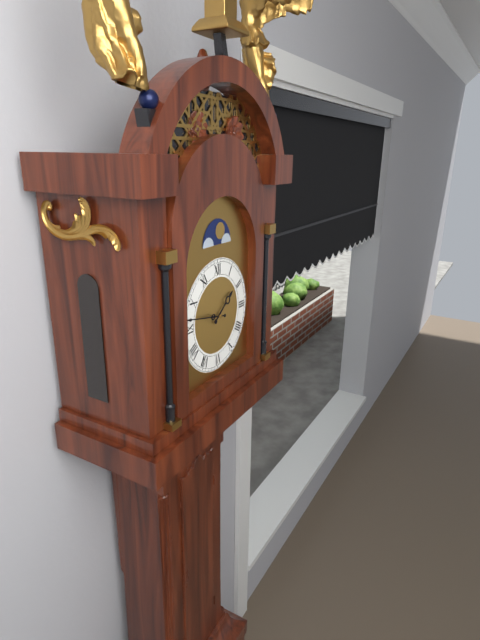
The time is 1h47
